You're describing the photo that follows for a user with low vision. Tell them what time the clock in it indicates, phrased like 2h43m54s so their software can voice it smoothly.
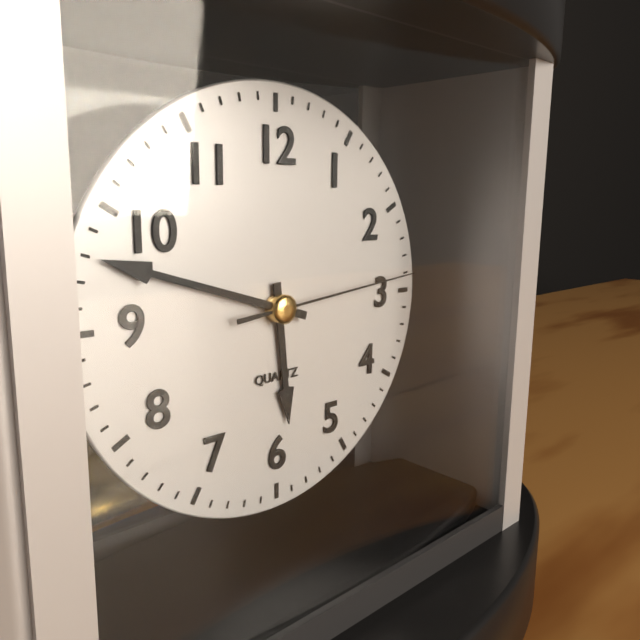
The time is 5h48m14s
